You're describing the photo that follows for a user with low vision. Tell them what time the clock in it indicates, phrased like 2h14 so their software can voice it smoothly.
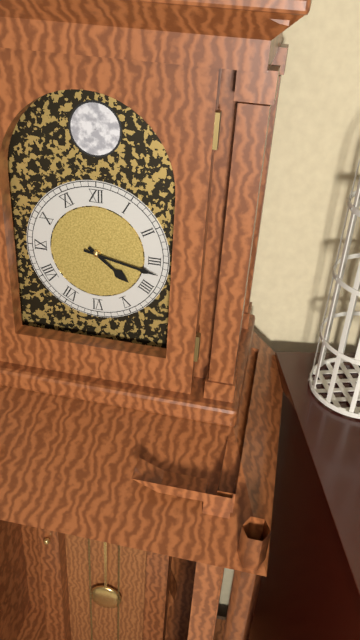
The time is 4h17
